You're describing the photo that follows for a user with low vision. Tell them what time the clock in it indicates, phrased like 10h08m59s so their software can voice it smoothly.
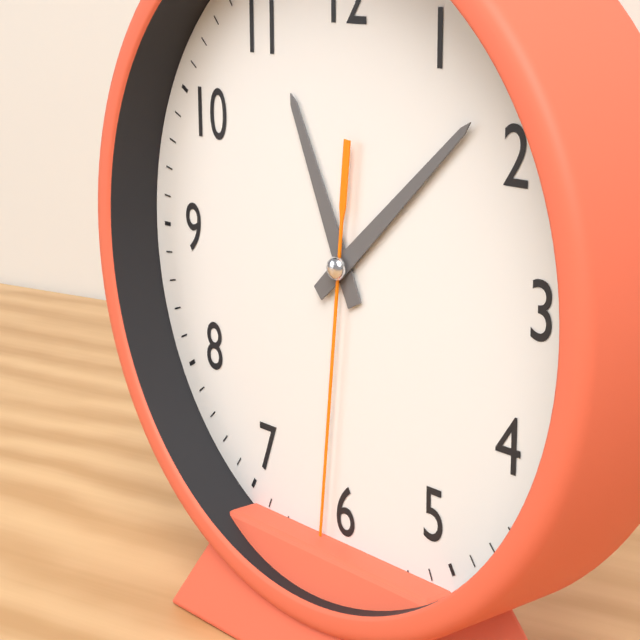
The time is 11h08m31s
